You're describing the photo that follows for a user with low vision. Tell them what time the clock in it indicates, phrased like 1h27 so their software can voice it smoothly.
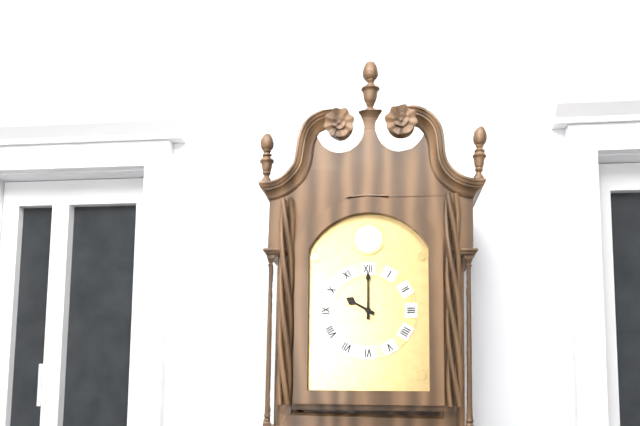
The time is 10h00
